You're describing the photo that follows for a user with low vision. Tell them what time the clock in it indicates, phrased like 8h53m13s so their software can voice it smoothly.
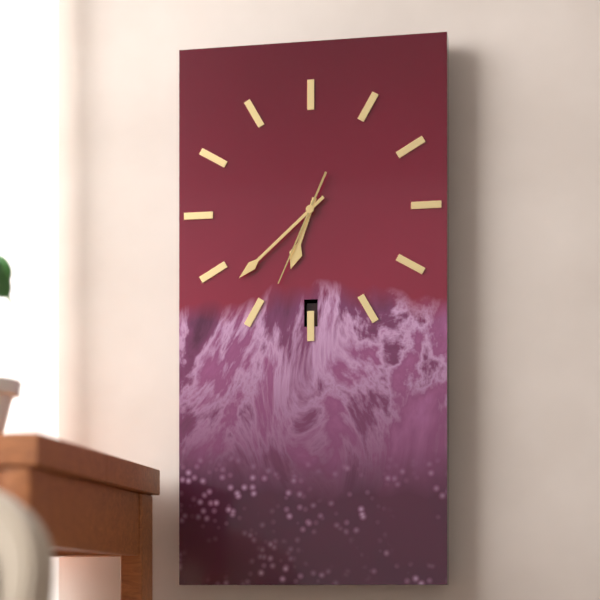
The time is 6h38m34s
